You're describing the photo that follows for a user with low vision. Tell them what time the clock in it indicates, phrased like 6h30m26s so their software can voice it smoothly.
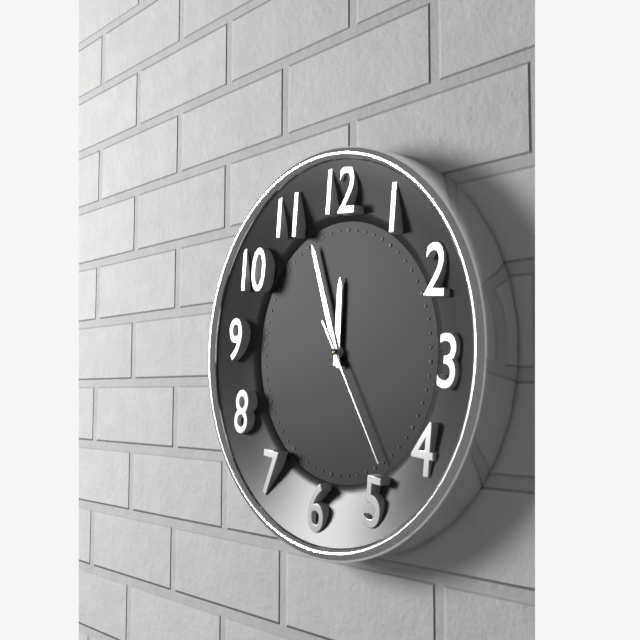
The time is 11h56m24s
